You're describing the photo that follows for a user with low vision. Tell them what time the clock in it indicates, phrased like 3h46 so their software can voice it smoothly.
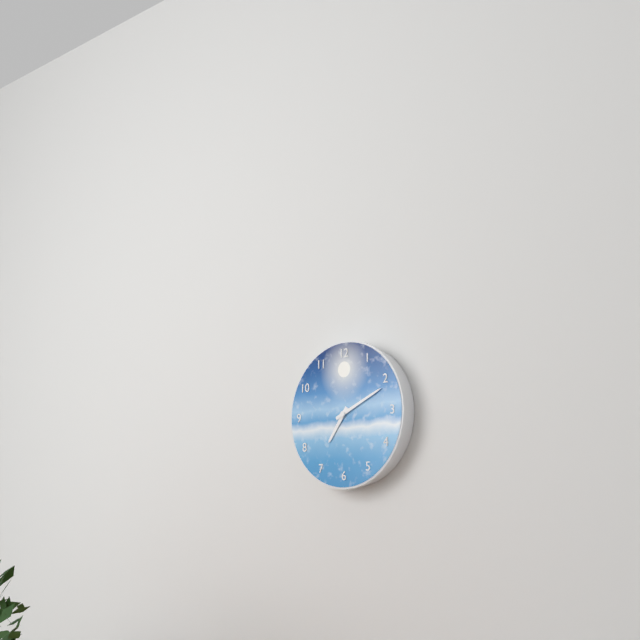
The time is 7h11
